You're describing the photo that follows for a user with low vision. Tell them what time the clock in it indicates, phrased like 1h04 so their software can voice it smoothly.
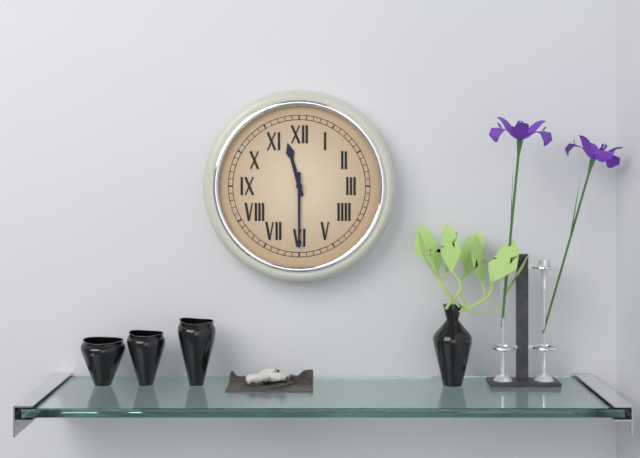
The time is 11h30
